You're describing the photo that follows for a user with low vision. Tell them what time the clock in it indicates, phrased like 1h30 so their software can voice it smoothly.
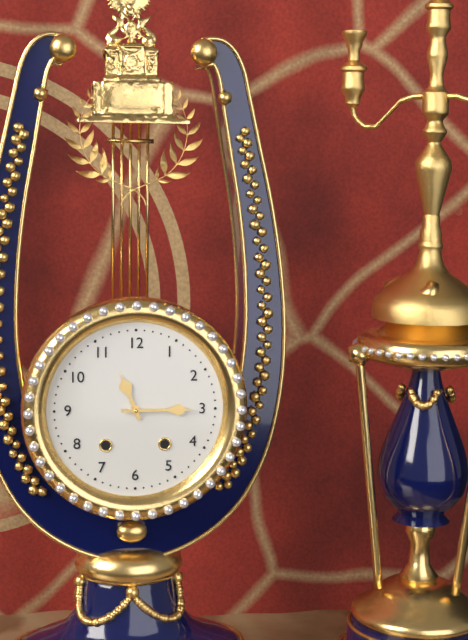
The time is 11h15
